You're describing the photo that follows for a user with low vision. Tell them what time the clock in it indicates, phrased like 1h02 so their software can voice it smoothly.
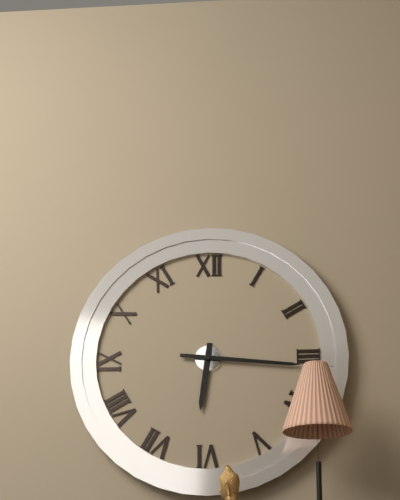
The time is 6h16
